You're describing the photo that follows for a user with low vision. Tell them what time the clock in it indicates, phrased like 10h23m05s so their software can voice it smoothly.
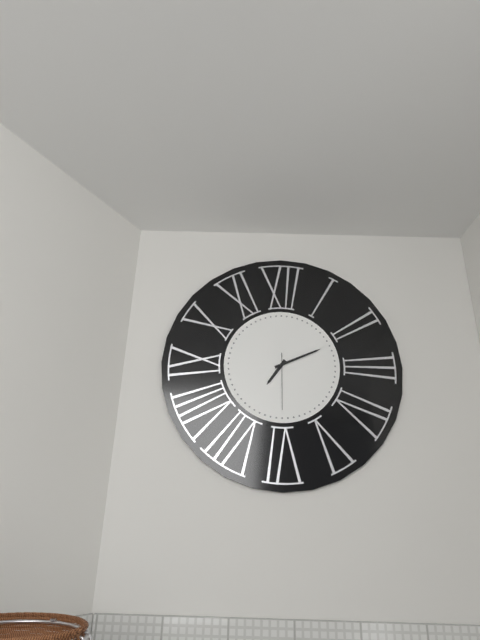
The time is 7h11m30s
